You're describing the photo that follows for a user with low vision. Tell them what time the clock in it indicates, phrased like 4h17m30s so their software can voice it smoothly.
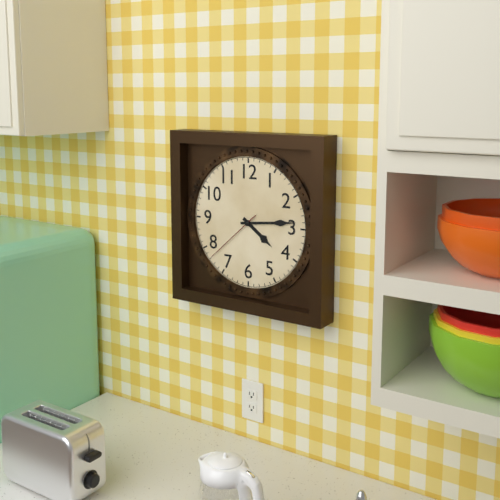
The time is 4h14m38s
